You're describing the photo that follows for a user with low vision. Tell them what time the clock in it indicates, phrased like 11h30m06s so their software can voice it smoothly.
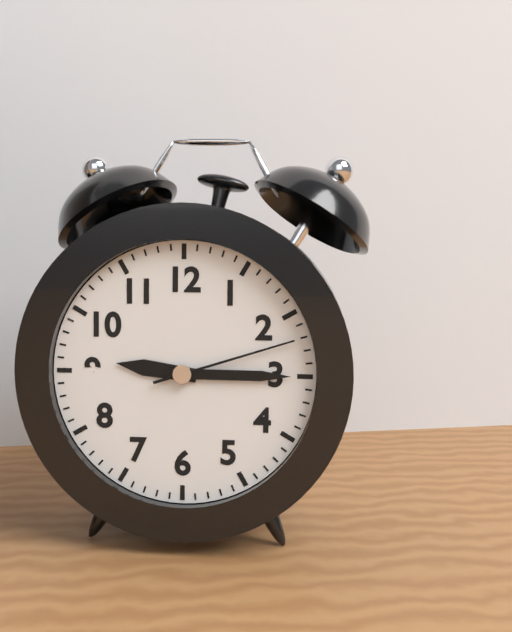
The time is 9h15m12s
